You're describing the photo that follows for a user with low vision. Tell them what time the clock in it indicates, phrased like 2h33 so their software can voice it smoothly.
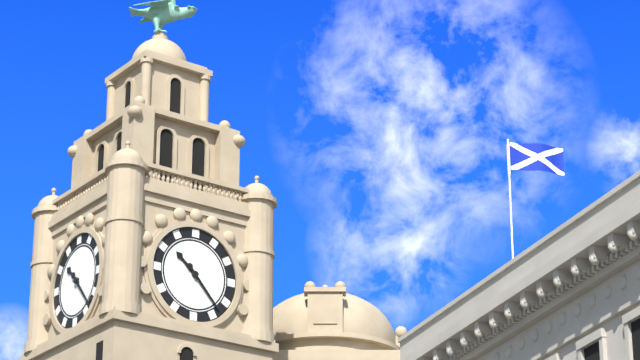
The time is 10h23
